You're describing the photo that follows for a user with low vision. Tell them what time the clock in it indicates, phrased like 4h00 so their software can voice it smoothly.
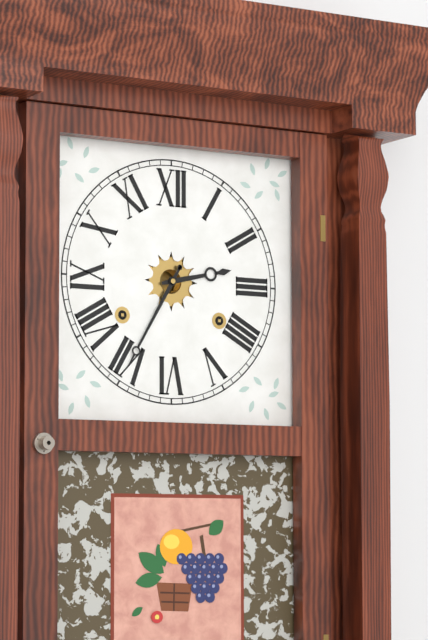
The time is 2h35
